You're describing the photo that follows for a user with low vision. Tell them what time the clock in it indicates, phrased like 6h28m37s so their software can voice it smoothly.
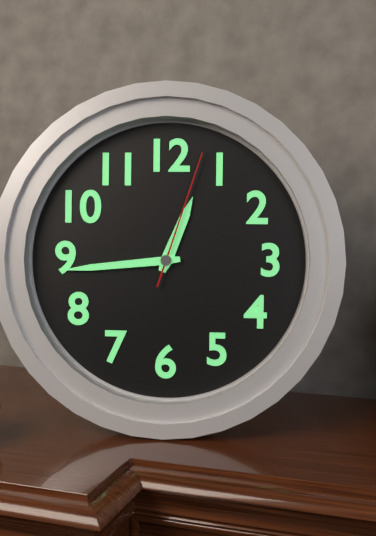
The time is 12h44m03s
